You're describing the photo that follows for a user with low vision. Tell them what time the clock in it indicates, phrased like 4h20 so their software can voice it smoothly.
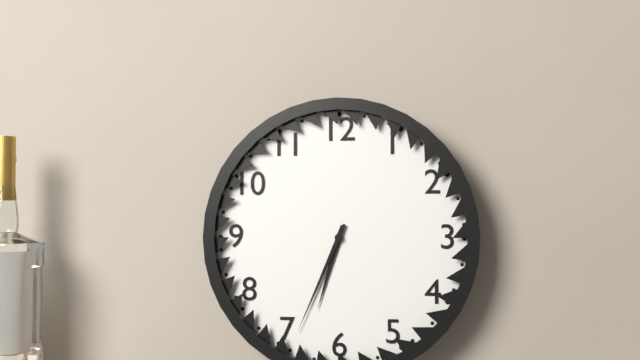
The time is 6h34
